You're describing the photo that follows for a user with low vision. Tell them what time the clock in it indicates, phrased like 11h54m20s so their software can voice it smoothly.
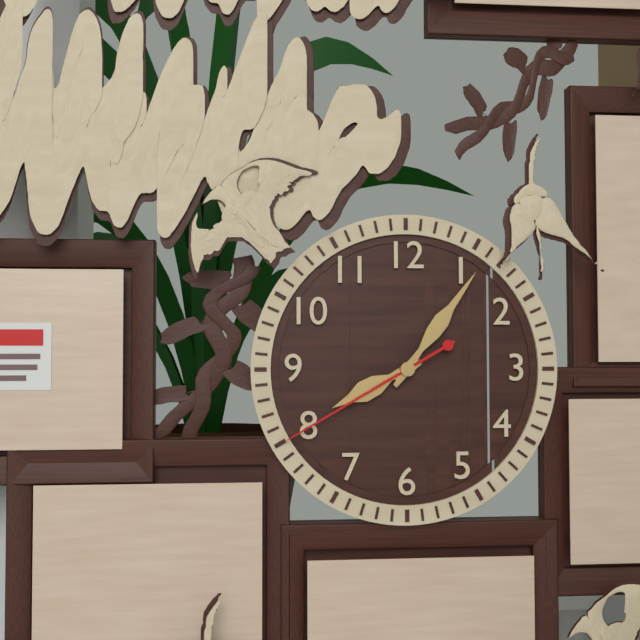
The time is 8h06m40s
